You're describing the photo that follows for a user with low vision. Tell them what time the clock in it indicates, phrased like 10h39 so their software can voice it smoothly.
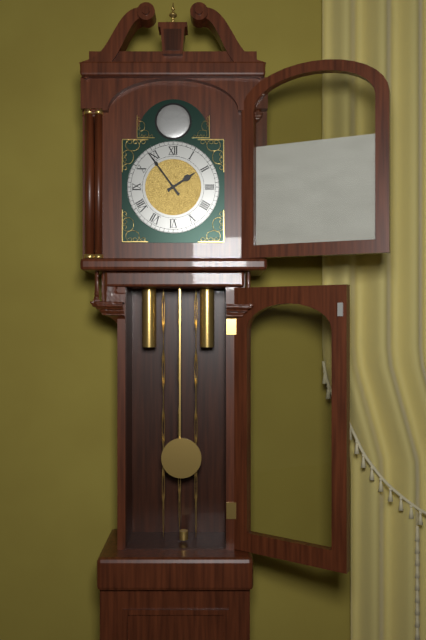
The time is 1h54
